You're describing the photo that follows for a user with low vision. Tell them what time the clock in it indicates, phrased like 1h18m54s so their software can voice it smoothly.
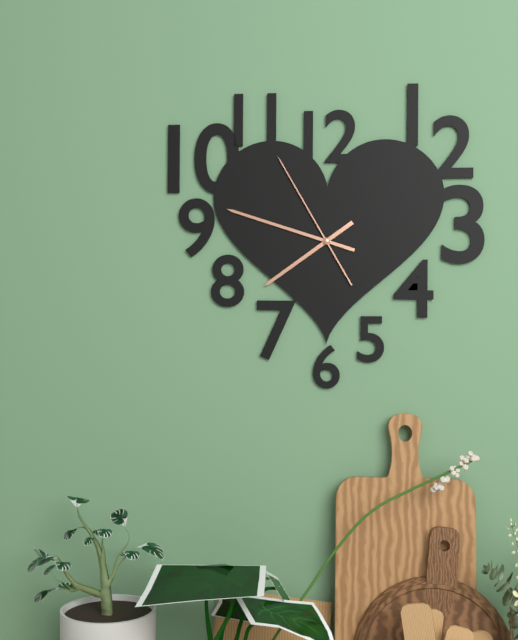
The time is 7h48m55s
